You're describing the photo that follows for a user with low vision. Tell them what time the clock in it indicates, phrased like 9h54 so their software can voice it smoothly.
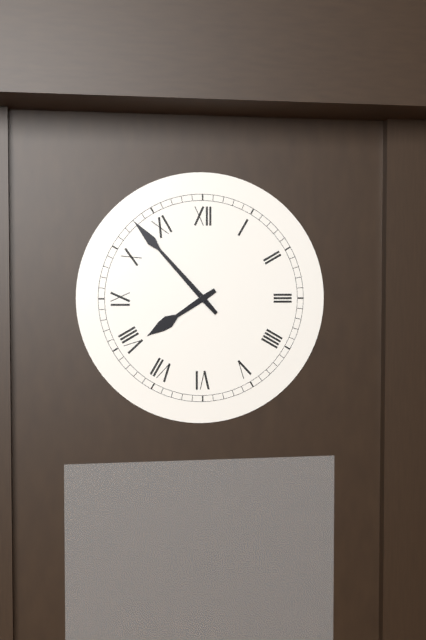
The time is 7h53
